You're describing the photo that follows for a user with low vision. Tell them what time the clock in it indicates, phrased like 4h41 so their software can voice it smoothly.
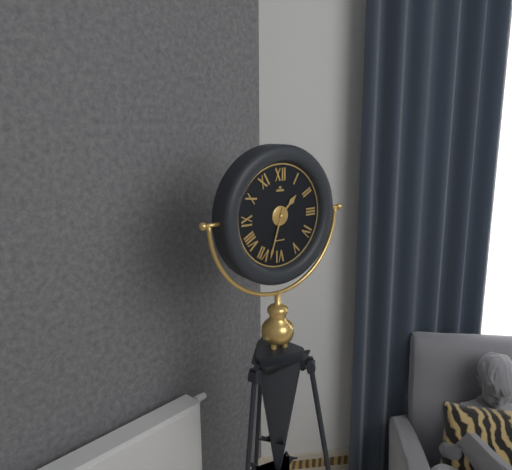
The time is 1h33
